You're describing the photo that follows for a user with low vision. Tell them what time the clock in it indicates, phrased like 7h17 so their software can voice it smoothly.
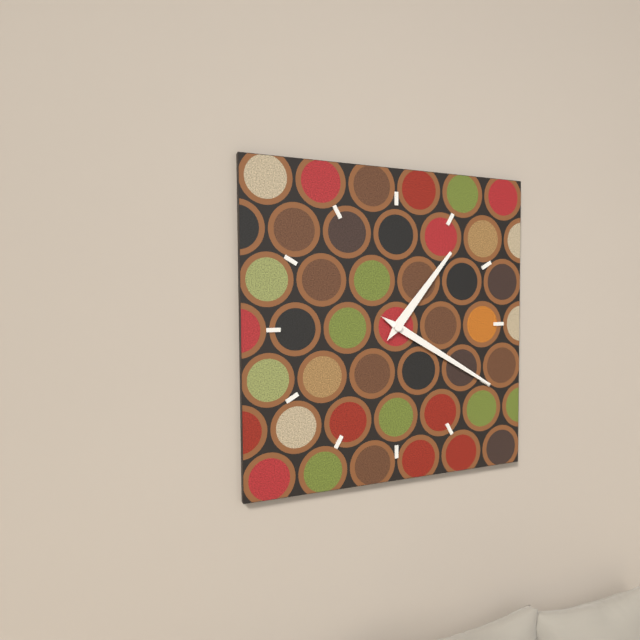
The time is 1h20
